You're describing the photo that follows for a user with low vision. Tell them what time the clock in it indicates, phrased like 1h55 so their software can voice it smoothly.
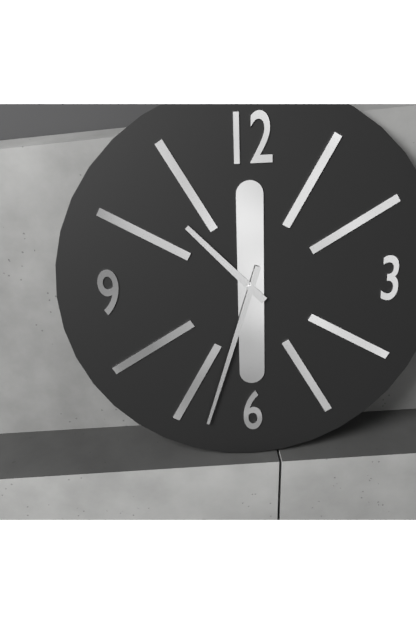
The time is 10h33
